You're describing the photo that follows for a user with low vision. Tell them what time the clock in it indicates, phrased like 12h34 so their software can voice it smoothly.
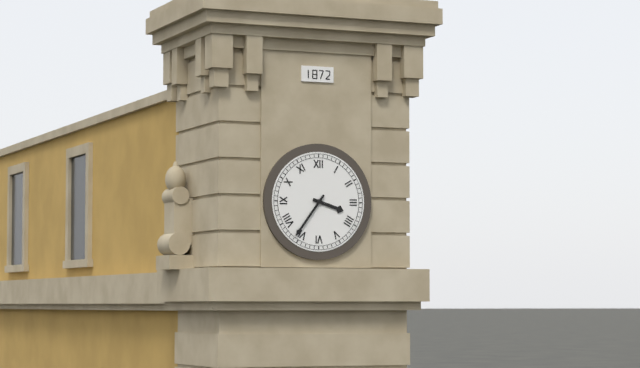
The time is 3h36
